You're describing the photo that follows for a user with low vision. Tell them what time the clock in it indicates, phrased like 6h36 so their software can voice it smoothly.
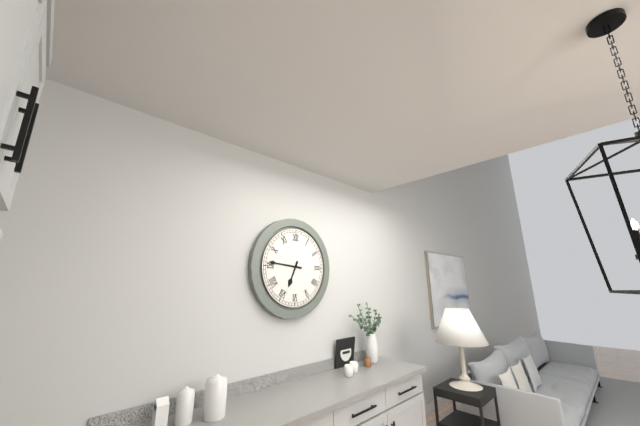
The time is 6h46
